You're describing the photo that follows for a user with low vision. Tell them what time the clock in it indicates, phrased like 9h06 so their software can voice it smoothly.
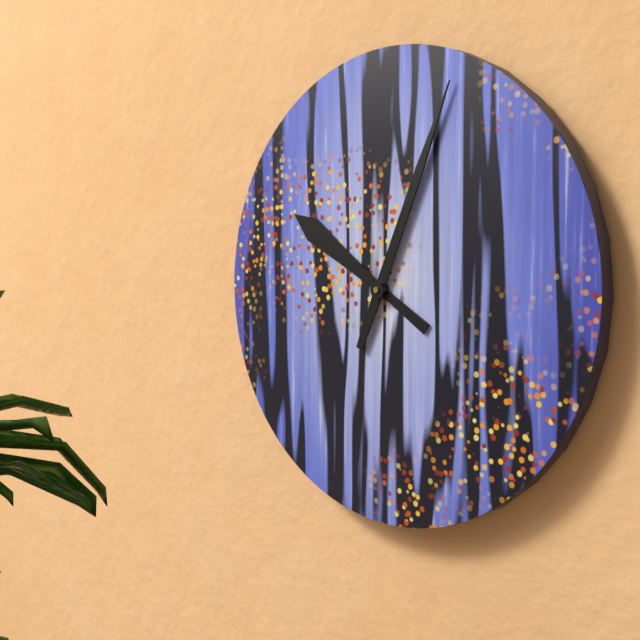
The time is 10h04
